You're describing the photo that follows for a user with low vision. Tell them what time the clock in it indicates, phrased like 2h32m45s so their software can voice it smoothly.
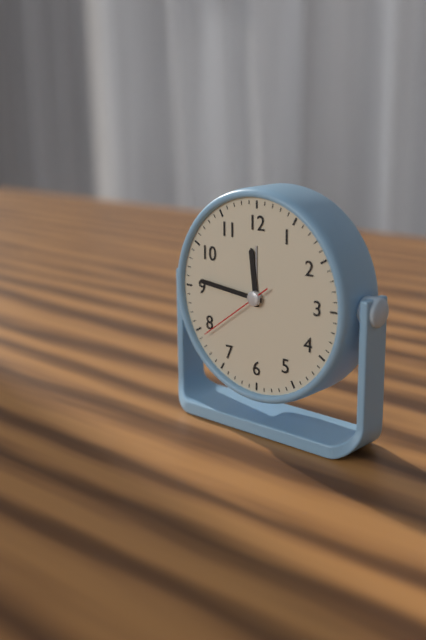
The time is 11h46m39s
